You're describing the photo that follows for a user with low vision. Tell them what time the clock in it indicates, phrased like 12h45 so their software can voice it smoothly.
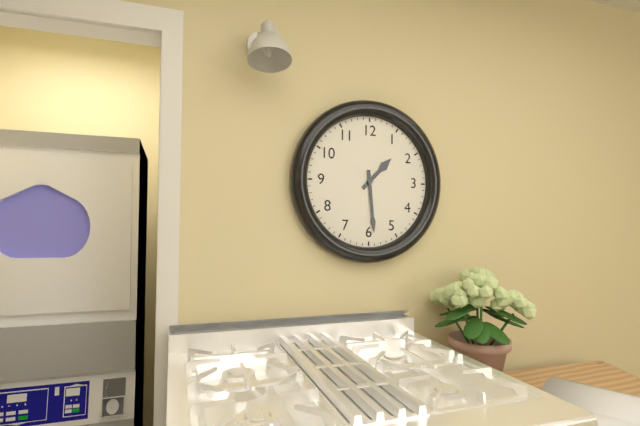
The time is 1h29
